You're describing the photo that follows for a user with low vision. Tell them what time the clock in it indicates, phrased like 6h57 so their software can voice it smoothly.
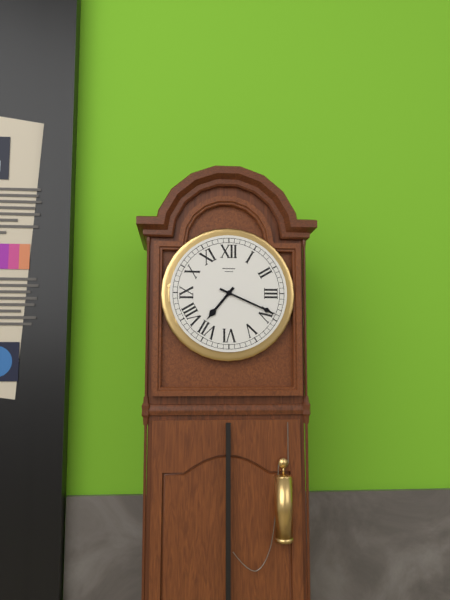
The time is 7h19
